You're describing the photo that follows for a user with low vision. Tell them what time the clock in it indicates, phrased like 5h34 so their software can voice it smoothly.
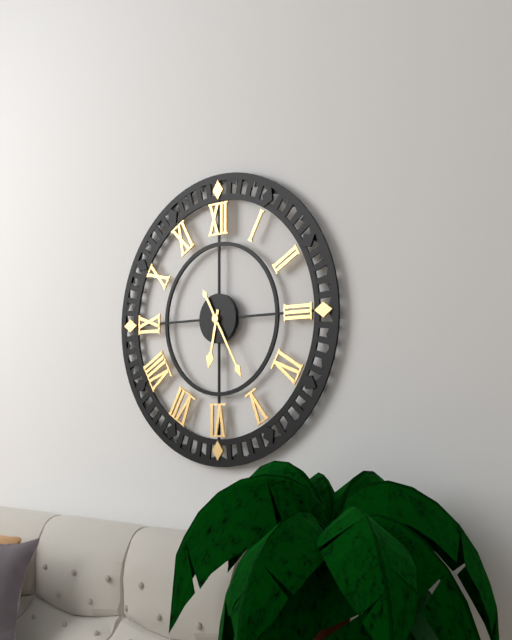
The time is 6h25
